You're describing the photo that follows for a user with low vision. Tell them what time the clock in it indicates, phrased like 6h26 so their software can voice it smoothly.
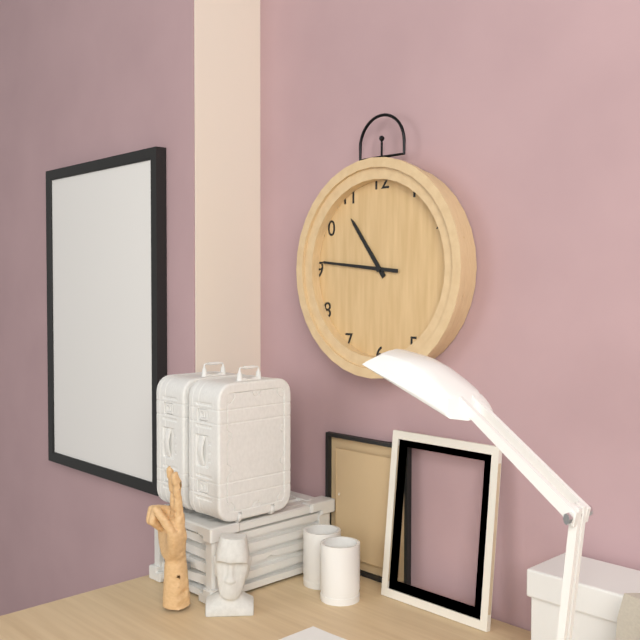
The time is 10h46
